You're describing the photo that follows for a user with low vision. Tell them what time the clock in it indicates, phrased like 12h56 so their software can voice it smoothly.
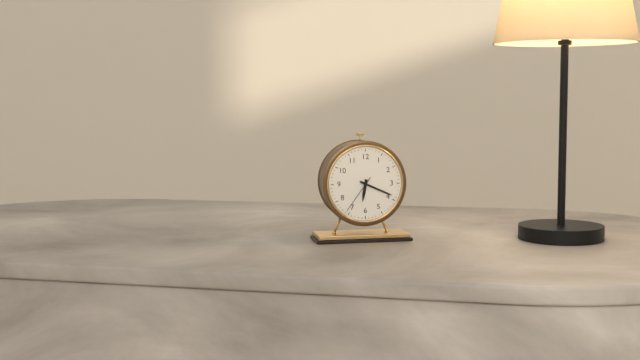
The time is 6h19
